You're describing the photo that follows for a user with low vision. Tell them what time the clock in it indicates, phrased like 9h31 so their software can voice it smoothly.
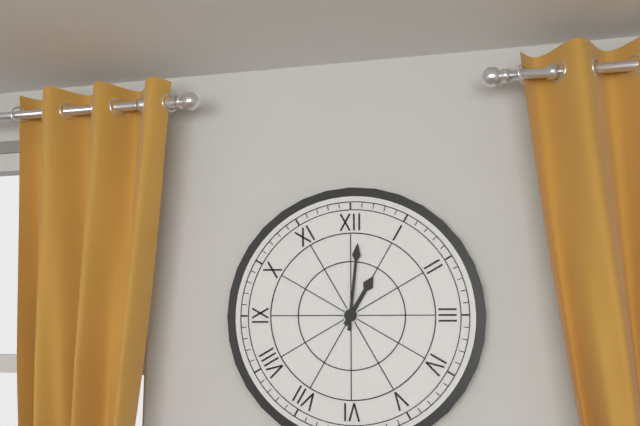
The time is 1h01
